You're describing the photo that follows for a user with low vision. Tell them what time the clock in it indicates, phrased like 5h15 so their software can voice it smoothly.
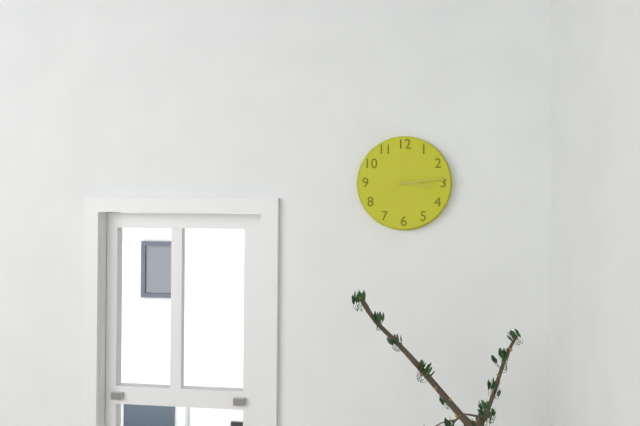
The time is 3h14
